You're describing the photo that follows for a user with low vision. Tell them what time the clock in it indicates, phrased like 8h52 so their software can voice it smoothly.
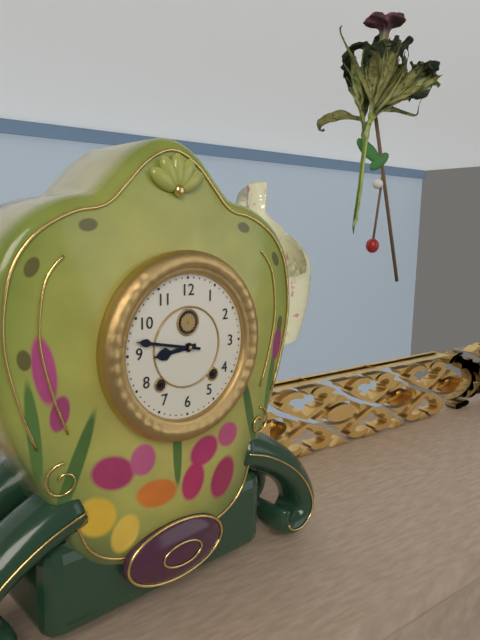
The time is 8h47
